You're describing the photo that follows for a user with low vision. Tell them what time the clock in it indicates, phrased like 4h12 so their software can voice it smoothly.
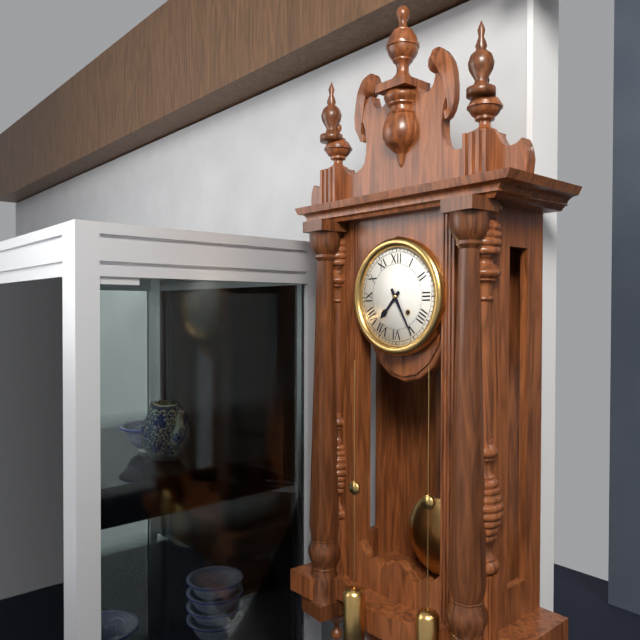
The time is 7h25
